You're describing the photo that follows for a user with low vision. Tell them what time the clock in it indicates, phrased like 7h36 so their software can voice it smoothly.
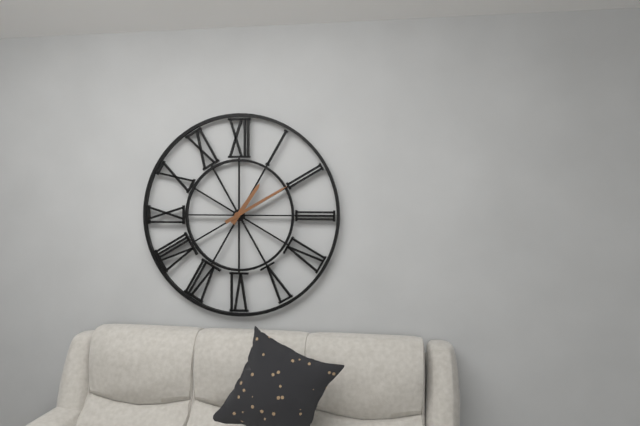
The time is 1h10
